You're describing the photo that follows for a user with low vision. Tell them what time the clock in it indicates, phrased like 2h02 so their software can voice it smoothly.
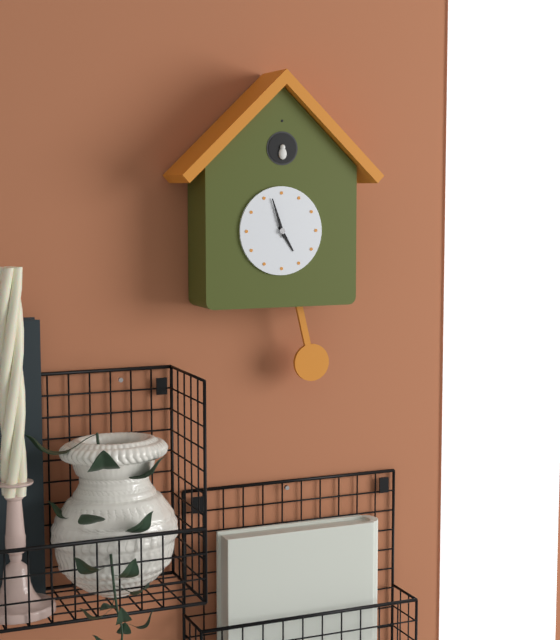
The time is 4h57
